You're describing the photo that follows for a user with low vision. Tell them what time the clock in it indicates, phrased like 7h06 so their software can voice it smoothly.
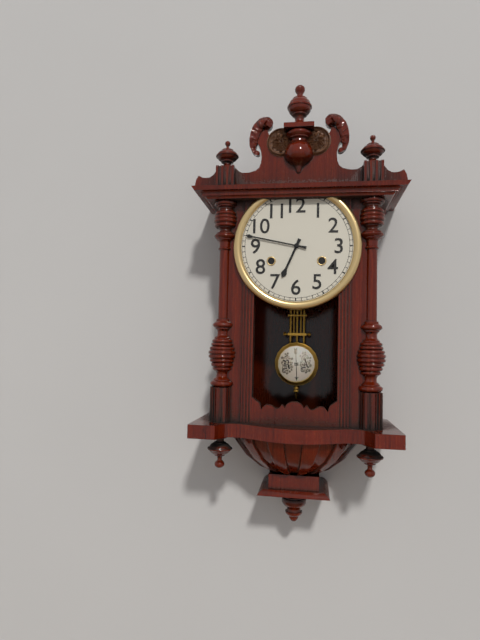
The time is 6h47
